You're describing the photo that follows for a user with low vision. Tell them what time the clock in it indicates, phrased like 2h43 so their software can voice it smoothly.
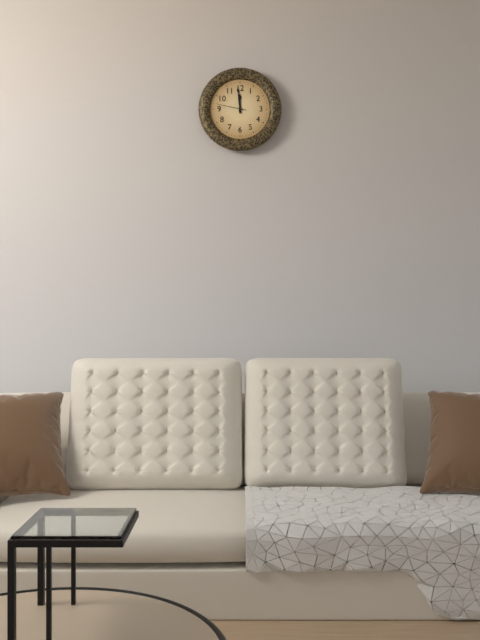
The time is 11h59
